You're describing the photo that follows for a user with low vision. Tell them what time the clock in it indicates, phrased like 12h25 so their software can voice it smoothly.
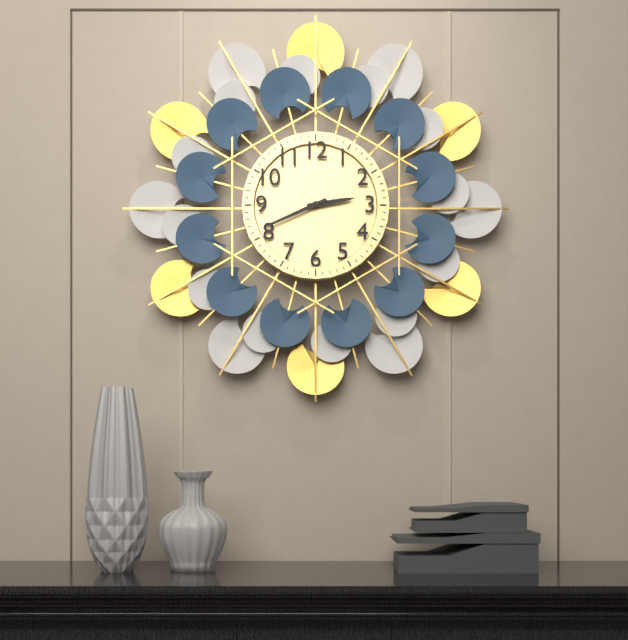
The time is 2h41
